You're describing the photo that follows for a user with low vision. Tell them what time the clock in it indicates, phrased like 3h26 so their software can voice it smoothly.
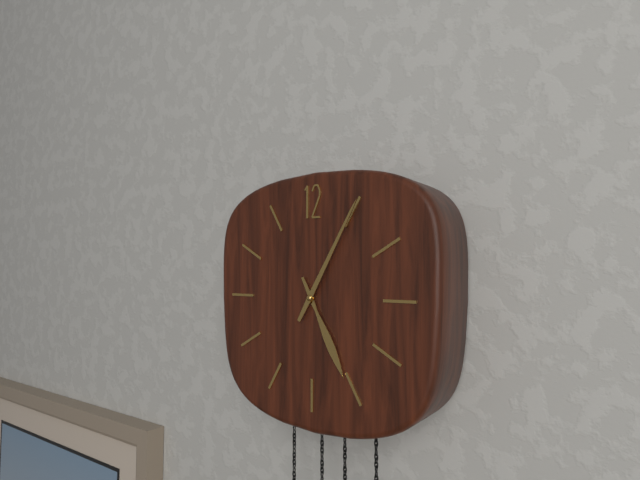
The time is 5h05
